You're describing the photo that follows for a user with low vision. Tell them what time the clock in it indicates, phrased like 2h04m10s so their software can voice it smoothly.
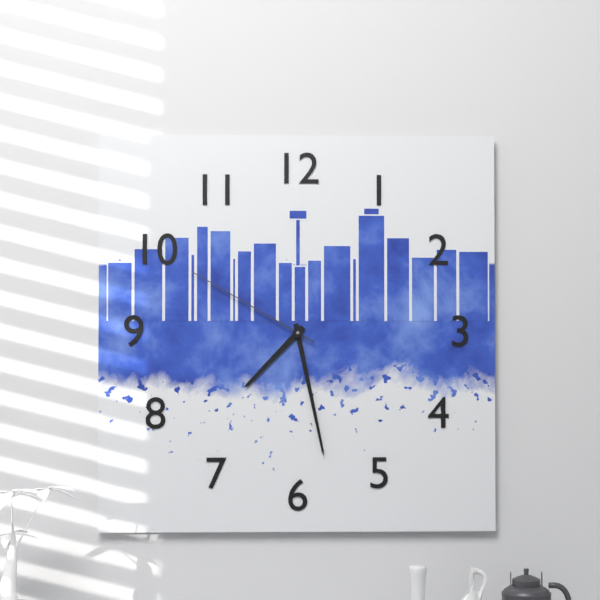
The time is 7h28m50s
